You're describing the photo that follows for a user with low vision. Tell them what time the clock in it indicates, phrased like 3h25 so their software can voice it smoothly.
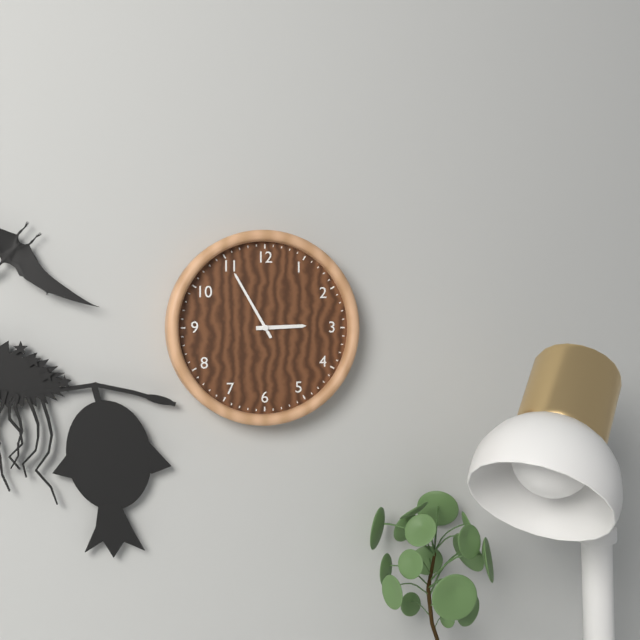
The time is 2h55
